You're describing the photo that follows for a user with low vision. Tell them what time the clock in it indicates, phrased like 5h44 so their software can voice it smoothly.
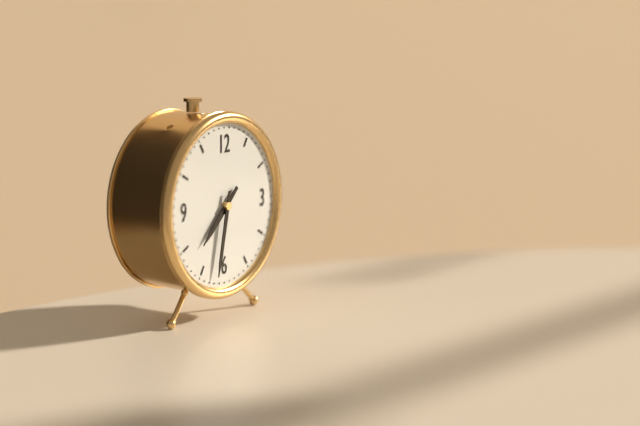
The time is 7h32
